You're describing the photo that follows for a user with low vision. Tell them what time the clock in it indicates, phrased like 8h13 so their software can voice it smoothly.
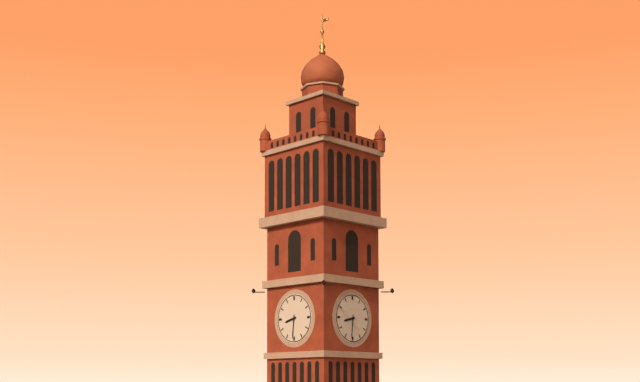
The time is 8h31
